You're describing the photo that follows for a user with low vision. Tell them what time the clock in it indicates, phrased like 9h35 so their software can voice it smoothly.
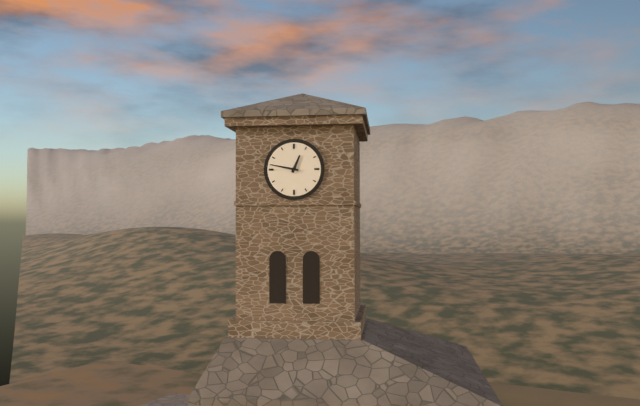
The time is 12h47
